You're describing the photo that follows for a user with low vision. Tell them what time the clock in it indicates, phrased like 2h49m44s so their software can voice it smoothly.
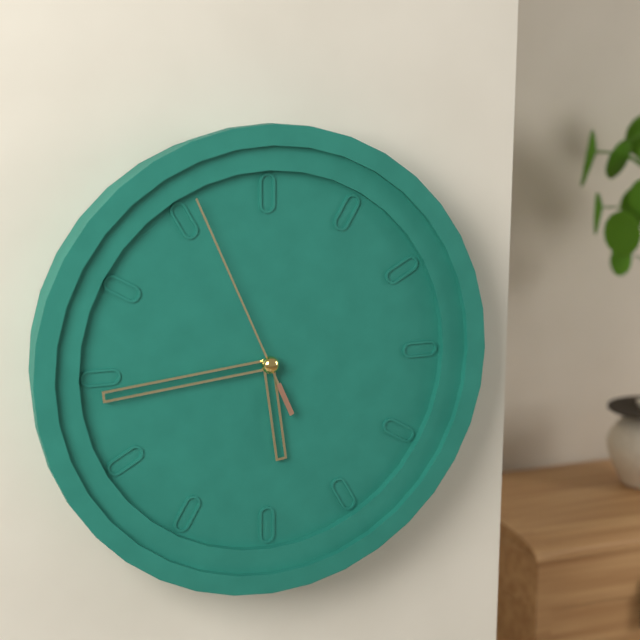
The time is 5h44m56s
